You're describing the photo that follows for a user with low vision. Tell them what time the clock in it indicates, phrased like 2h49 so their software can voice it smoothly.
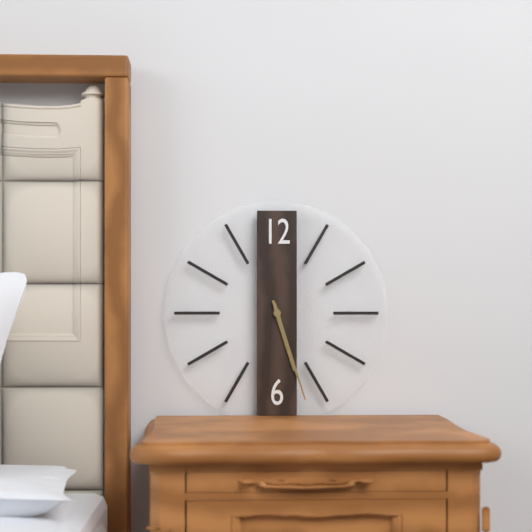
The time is 5h27
